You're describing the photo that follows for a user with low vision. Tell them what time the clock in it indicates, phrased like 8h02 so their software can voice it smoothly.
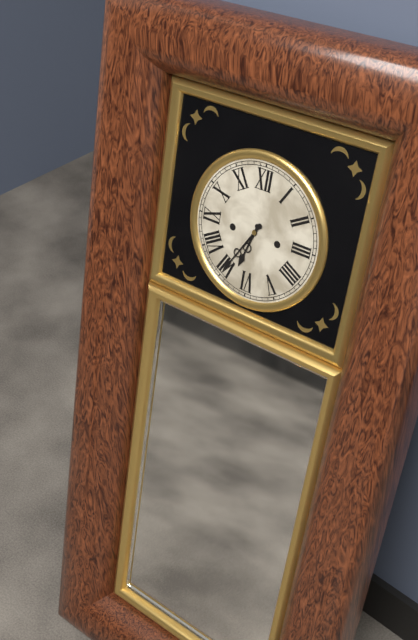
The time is 6h35
